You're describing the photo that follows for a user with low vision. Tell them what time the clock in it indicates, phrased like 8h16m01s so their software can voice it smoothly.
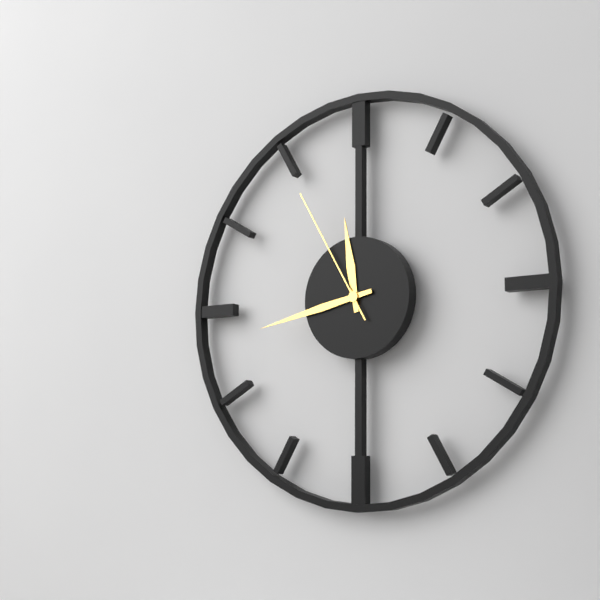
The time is 11h43m55s
